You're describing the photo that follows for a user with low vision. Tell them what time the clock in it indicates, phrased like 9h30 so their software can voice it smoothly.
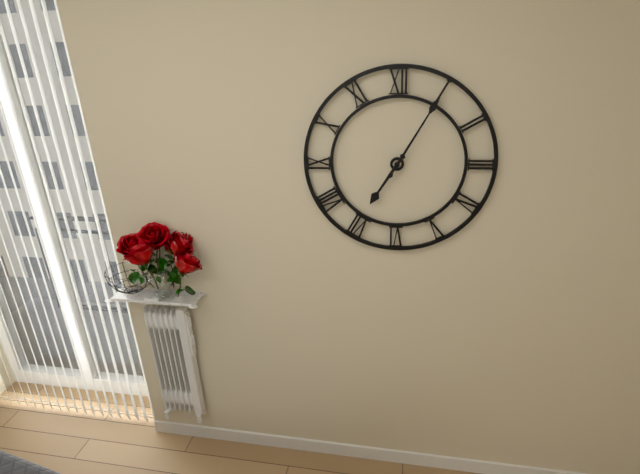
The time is 7h05
